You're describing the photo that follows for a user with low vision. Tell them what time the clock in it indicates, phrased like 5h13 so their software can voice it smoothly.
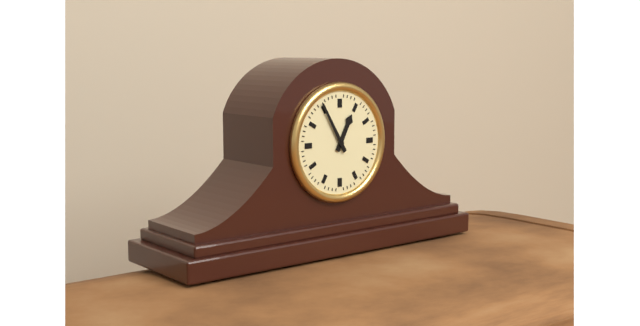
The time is 12h55
